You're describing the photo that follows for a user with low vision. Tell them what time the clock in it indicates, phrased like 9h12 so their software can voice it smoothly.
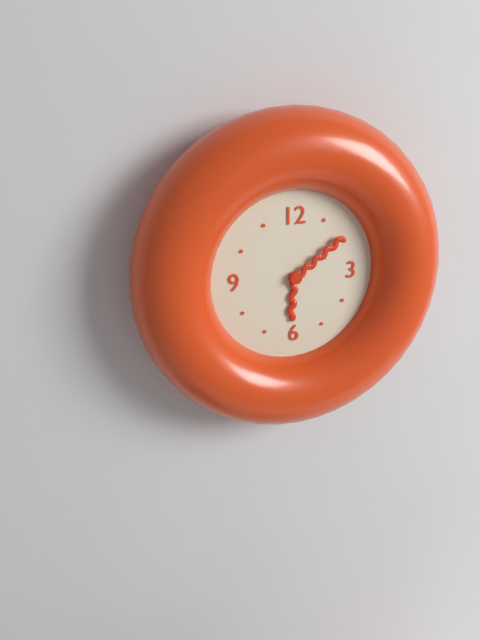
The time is 6h09
